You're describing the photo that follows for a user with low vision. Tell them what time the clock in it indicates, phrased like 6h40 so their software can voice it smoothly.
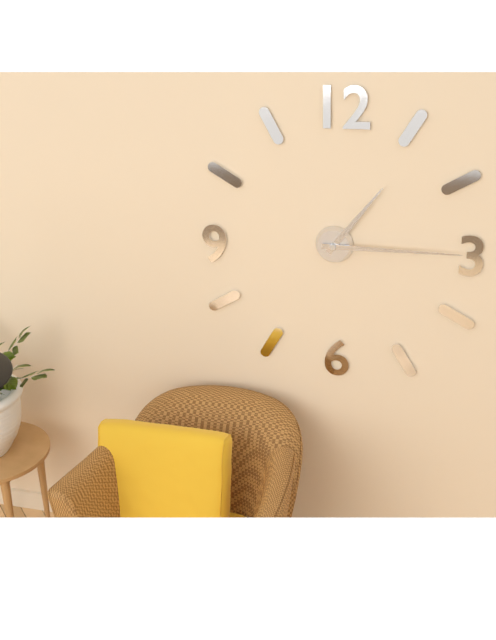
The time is 1h15
